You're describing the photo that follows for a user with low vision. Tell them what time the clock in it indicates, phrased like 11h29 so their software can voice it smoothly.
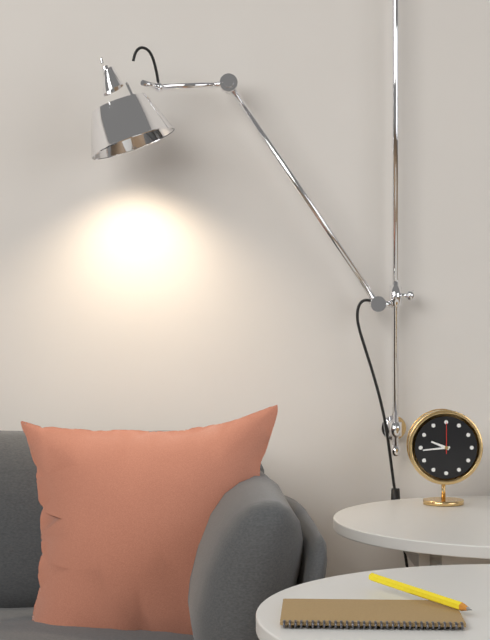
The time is 9h44
